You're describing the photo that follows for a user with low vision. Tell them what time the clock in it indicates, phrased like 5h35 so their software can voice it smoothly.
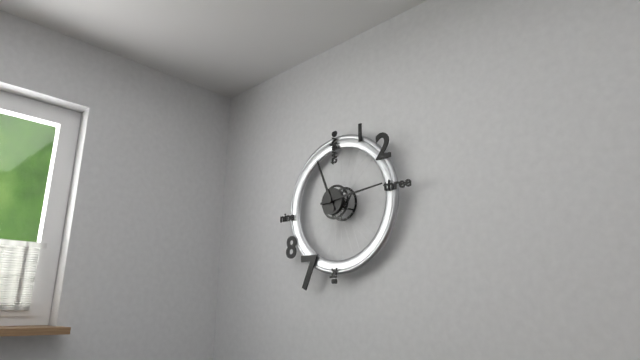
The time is 11h14
